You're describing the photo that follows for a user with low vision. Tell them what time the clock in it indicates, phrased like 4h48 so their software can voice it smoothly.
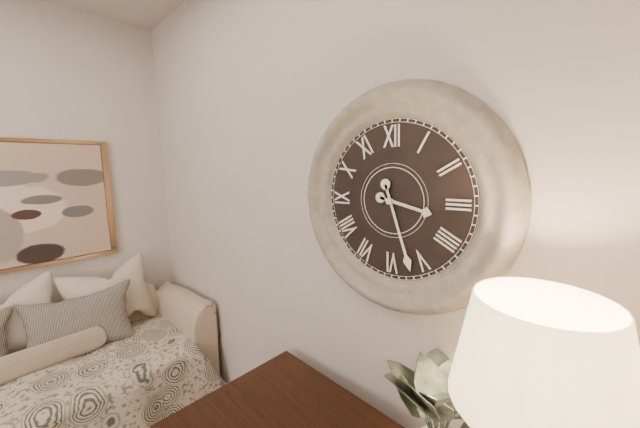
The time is 3h27
